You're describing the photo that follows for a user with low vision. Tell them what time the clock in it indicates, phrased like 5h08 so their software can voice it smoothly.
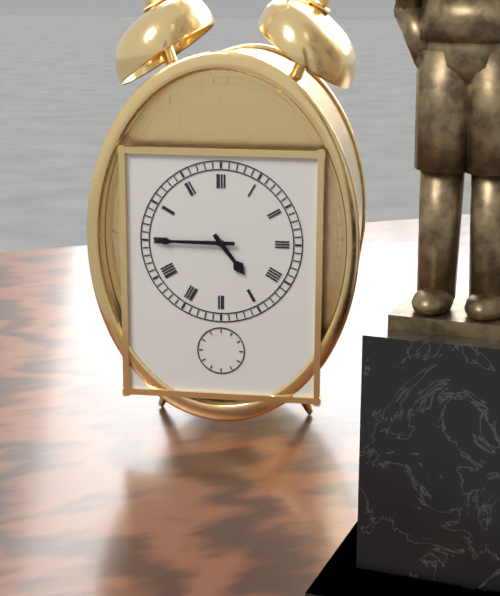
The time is 4h45
